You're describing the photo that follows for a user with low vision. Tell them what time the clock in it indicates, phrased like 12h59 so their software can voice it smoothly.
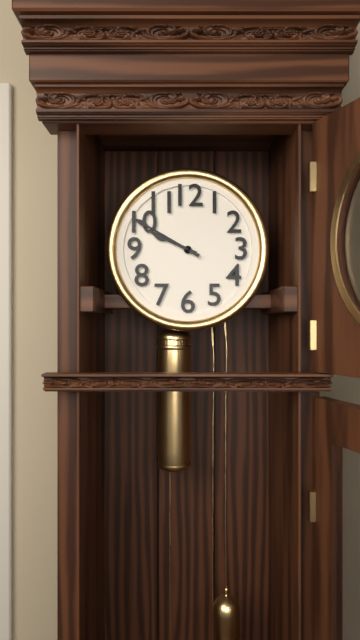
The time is 9h50
